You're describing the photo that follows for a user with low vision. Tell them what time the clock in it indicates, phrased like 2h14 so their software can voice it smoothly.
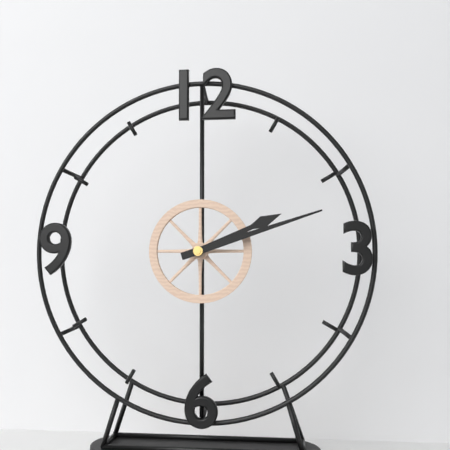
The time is 2h12
